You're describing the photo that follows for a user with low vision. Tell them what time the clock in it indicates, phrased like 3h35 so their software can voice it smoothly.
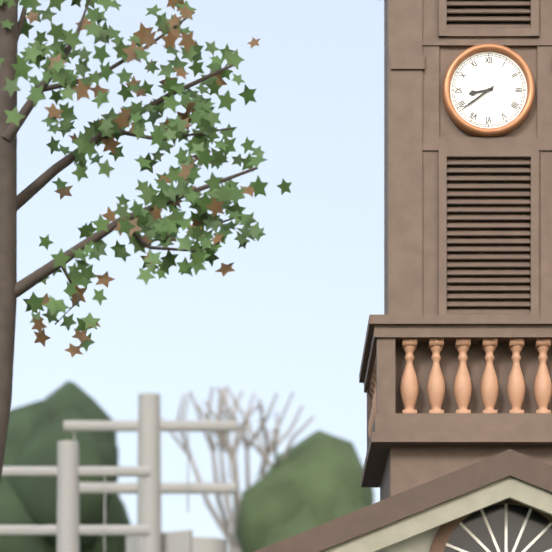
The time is 8h39
